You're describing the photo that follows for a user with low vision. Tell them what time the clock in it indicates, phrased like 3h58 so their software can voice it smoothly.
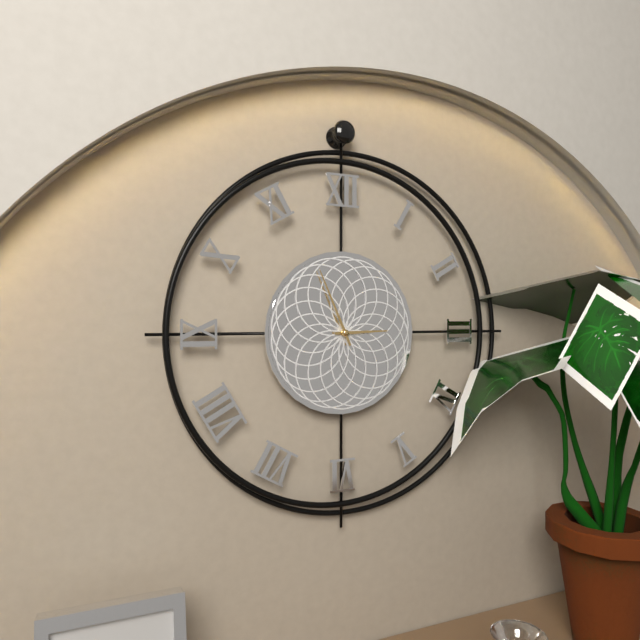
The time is 2h56
